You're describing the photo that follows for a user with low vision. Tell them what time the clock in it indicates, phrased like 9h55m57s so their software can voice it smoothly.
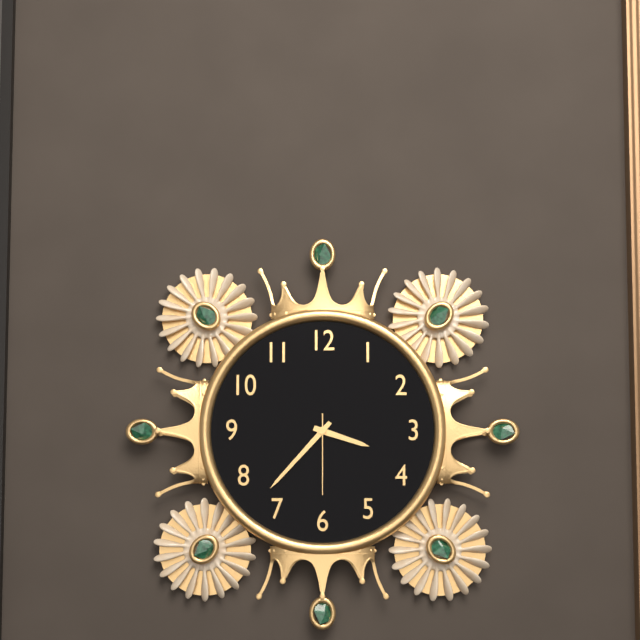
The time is 3h37m30s
